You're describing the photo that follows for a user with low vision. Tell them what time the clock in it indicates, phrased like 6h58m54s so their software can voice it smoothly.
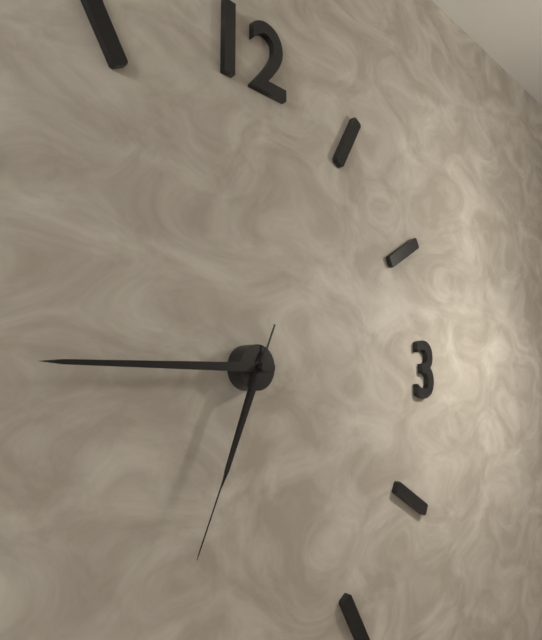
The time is 6h45m34s
